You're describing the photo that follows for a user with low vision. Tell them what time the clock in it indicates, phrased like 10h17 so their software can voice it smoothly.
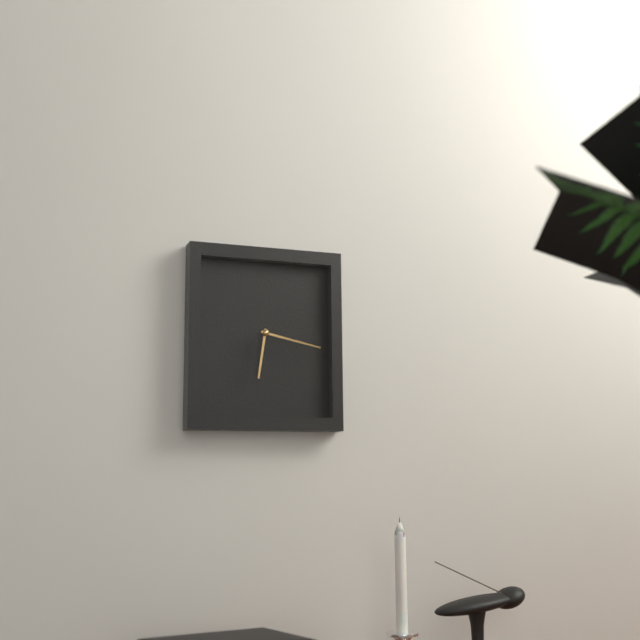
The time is 6h17
